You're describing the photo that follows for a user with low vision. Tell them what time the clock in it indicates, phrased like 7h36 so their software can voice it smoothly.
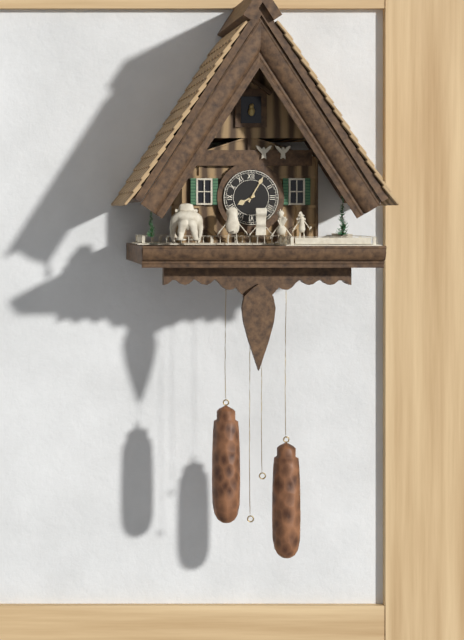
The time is 8h05
